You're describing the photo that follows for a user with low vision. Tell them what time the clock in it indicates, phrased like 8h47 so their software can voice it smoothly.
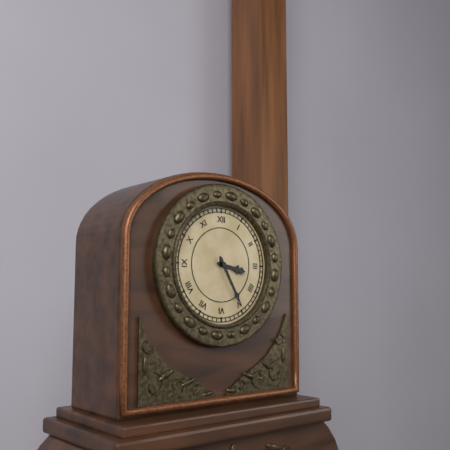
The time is 3h25
